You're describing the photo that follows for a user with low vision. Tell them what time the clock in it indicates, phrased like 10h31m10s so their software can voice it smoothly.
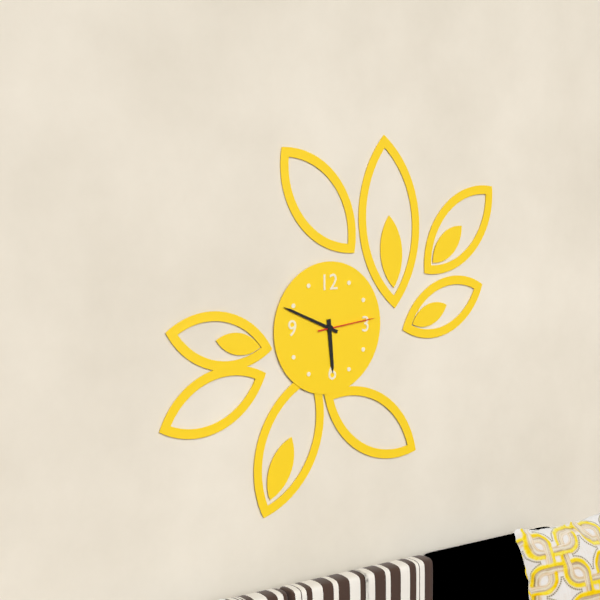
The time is 5h49m14s
